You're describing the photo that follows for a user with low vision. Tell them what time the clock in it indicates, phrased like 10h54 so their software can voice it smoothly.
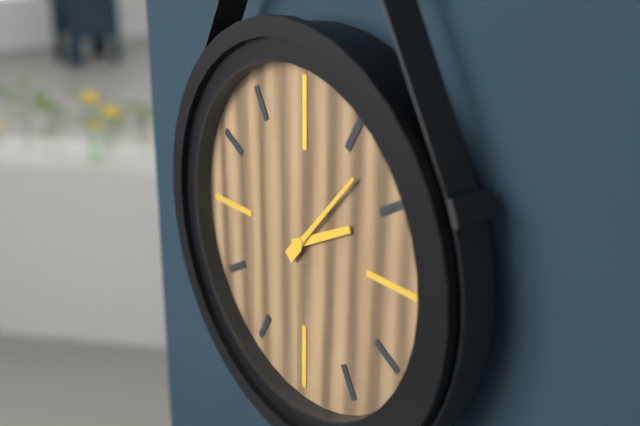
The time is 2h07
